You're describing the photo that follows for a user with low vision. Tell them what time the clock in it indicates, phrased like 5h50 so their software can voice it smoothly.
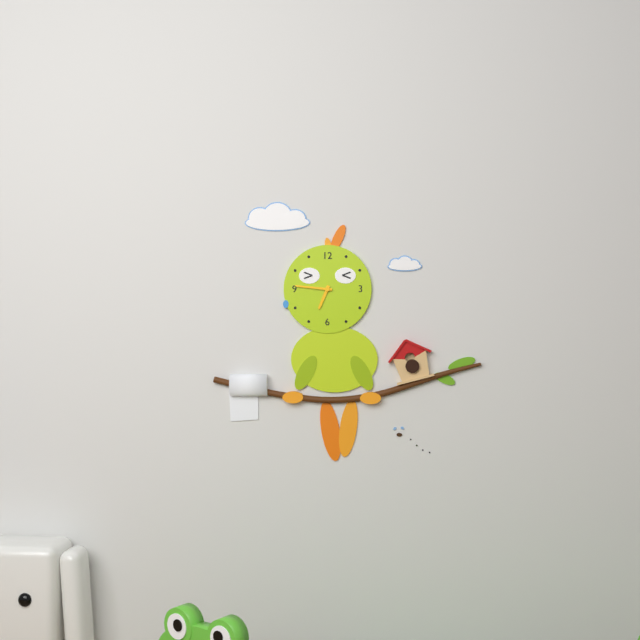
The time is 6h46
